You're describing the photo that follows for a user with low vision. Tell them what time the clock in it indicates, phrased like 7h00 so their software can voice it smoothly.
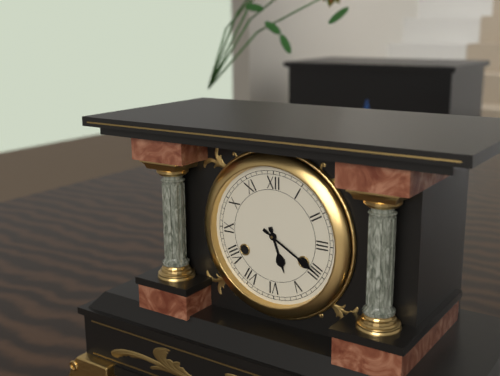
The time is 5h20
